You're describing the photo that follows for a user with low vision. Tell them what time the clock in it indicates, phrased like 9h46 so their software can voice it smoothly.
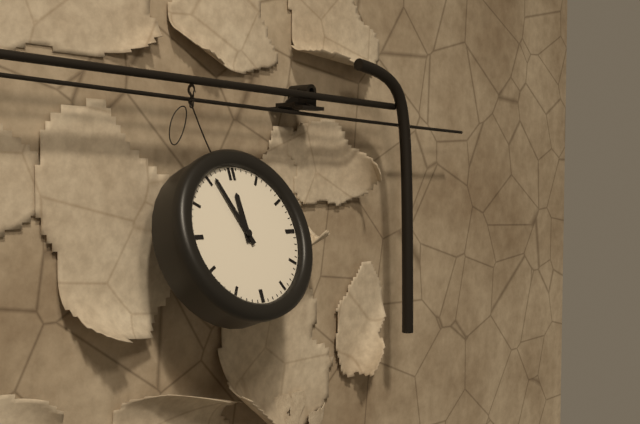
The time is 11h56
